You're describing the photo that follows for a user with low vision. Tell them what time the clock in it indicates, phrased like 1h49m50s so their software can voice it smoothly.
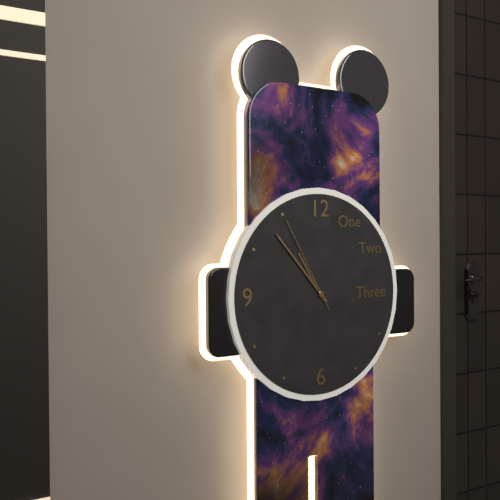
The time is 10h53m55s
